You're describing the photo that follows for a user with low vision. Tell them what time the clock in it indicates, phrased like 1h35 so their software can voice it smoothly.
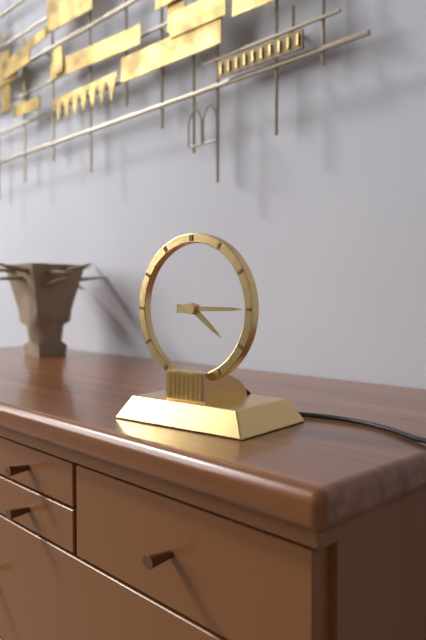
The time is 4h15
